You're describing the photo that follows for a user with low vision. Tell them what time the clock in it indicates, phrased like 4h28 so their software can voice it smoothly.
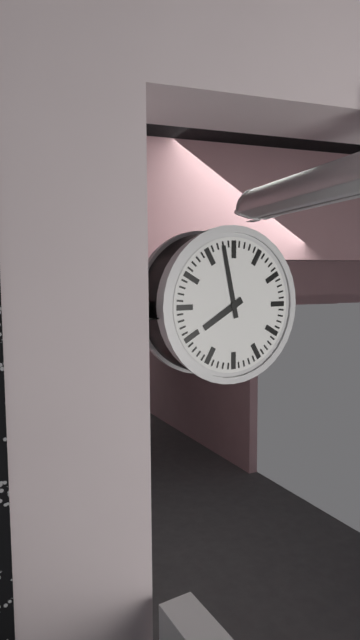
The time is 7h58
